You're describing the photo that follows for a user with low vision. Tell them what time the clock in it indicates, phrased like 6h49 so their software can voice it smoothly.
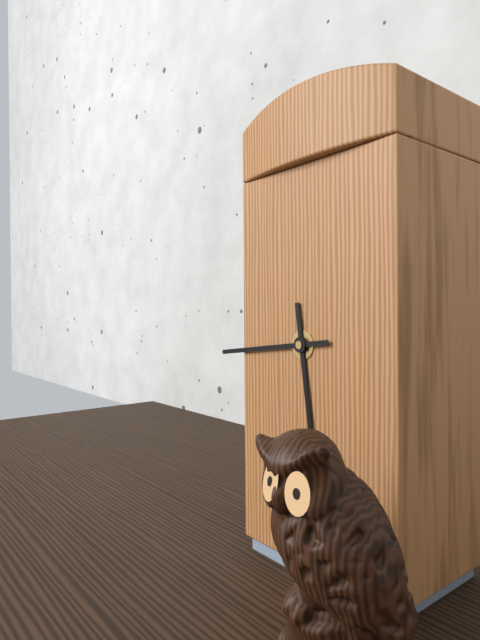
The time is 5h44
